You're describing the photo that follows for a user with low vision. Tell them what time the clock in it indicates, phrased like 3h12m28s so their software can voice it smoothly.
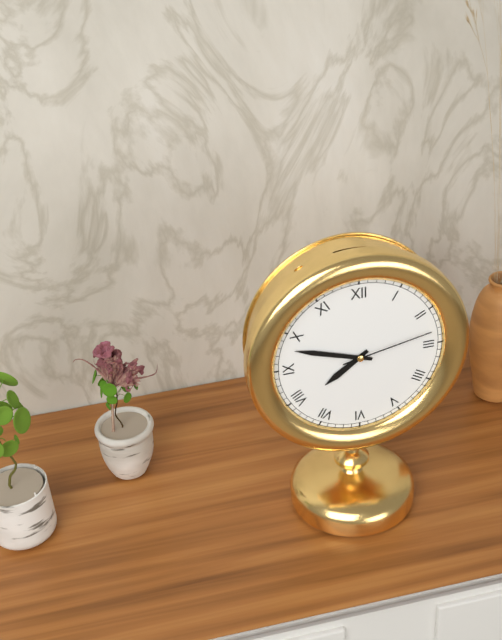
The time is 7h48m13s
